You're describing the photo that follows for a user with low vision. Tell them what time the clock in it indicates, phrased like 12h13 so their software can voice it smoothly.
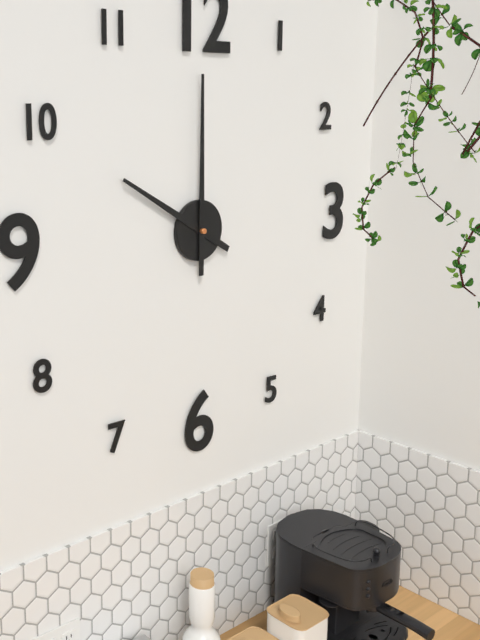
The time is 10h00
